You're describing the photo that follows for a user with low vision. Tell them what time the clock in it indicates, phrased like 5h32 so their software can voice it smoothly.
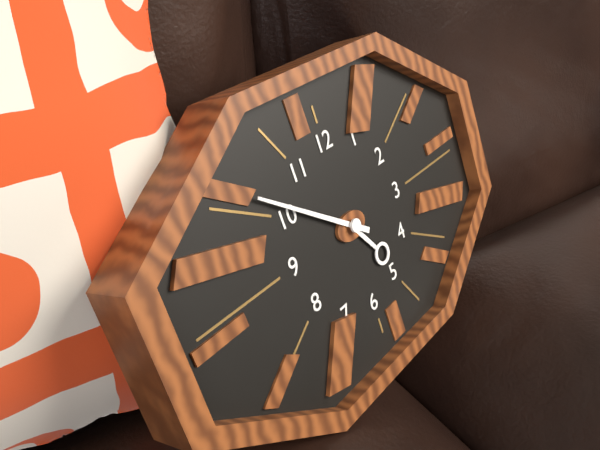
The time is 4h51
